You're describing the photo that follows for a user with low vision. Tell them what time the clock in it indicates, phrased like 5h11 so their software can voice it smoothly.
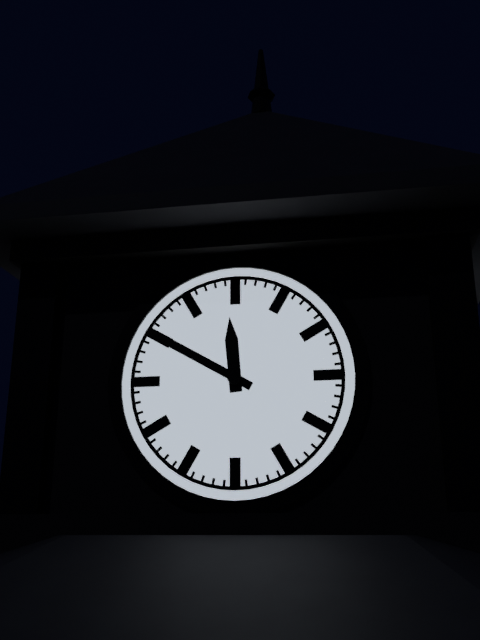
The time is 11h50
